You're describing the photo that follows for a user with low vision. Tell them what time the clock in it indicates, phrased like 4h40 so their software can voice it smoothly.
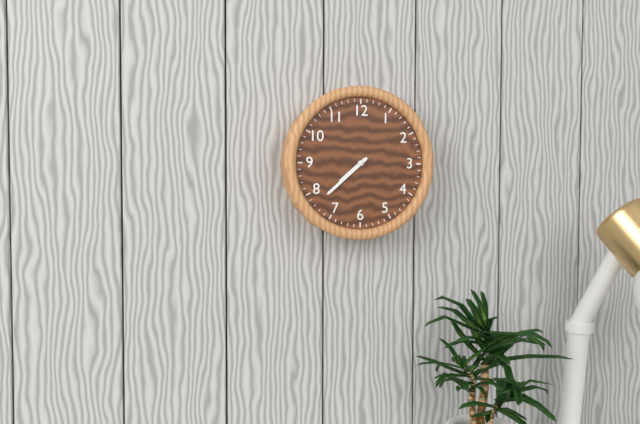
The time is 7h38
